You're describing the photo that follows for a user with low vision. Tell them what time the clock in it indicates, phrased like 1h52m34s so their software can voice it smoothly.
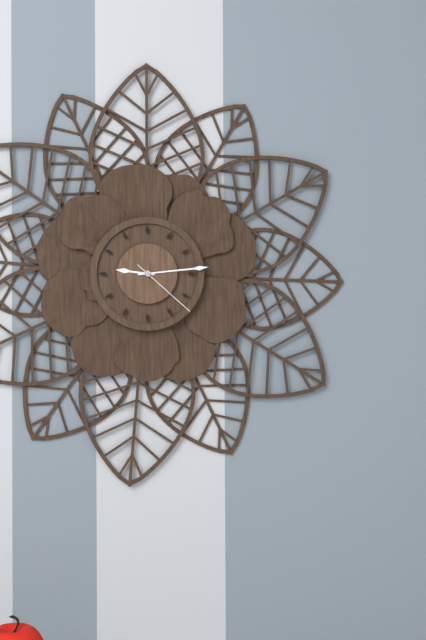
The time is 9h14m22s
